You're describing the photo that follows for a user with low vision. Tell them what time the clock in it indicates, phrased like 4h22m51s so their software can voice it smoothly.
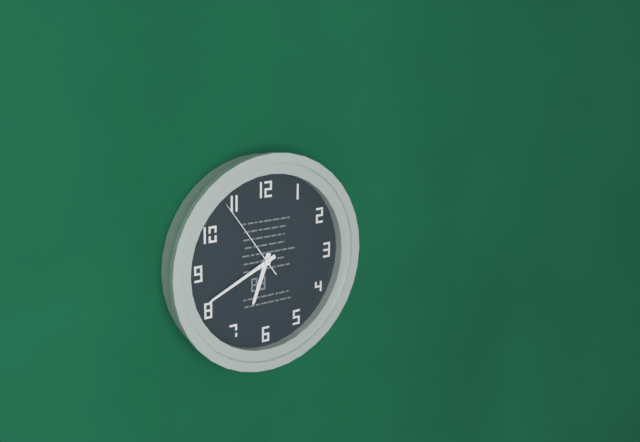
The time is 6h41m54s
